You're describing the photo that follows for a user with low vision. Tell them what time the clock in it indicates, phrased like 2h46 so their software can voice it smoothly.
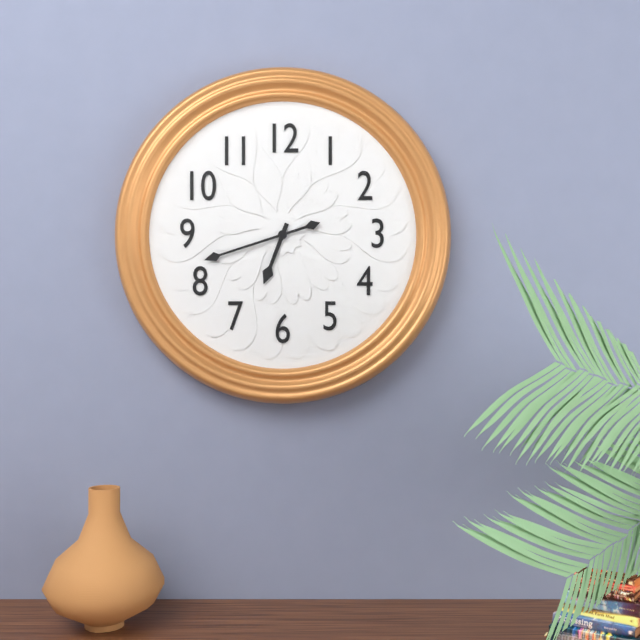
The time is 6h42
